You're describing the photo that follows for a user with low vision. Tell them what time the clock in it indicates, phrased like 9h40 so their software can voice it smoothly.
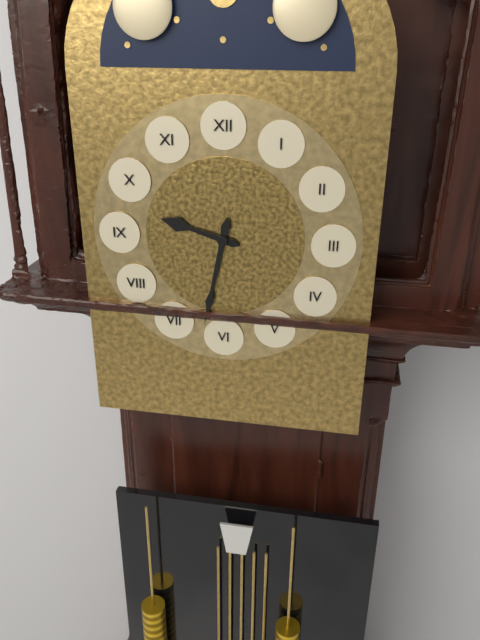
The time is 9h32
